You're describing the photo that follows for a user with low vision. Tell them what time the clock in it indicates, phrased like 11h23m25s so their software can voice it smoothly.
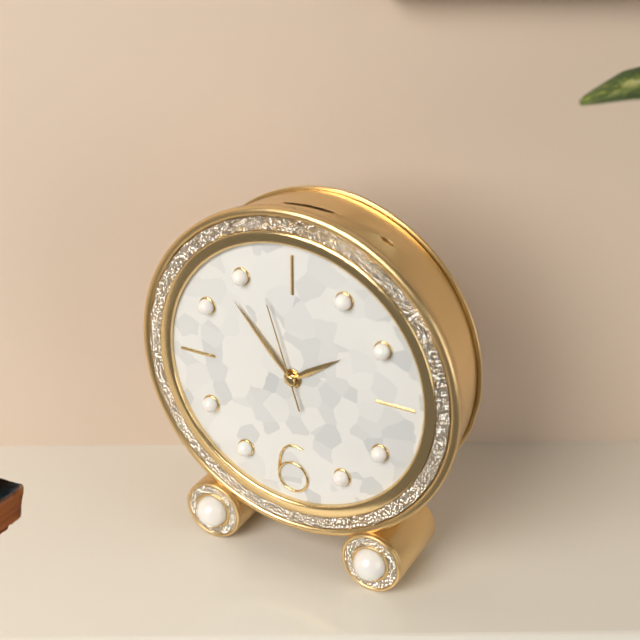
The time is 1h53m57s
